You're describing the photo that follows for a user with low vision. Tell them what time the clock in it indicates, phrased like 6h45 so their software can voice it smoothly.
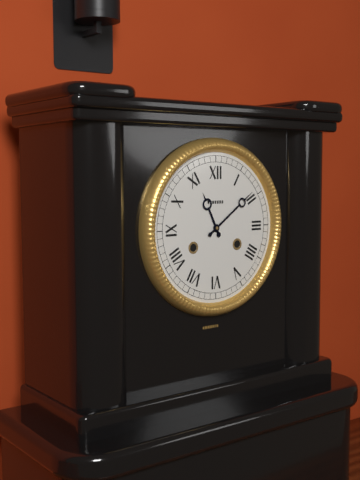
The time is 11h09
